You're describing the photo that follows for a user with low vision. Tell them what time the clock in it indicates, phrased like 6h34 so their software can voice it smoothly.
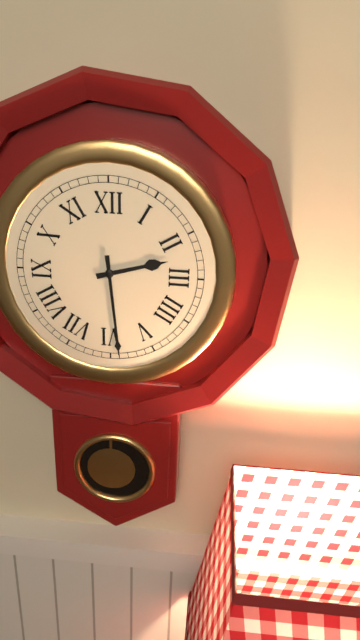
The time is 2h29
